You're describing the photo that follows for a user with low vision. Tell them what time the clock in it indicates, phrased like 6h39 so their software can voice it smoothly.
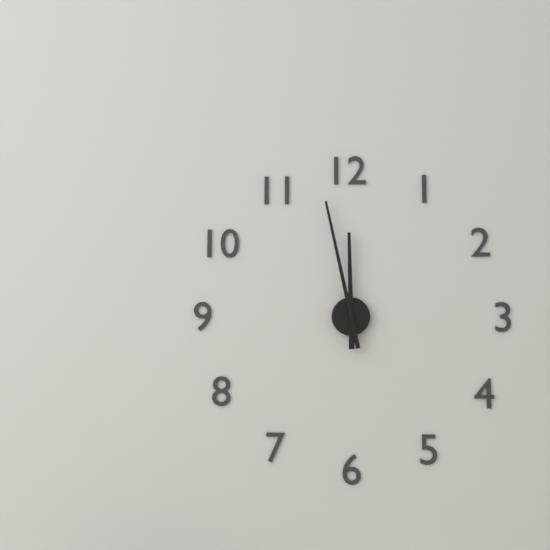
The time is 11h58
